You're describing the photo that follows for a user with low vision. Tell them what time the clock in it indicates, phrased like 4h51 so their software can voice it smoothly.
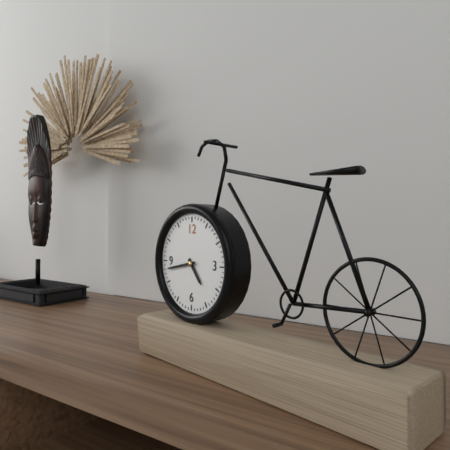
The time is 4h43
